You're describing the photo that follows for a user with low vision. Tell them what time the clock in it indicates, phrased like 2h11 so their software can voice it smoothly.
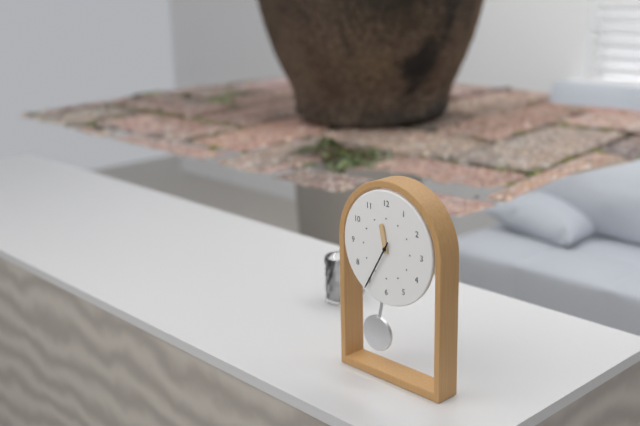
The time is 11h35
